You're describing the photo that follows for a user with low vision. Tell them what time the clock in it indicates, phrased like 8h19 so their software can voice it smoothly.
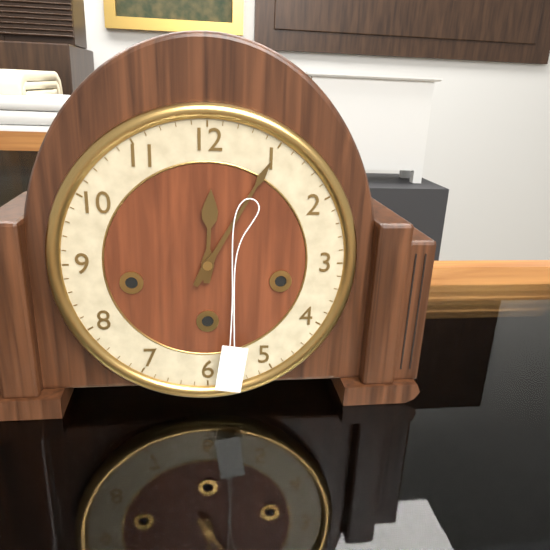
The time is 12h05
